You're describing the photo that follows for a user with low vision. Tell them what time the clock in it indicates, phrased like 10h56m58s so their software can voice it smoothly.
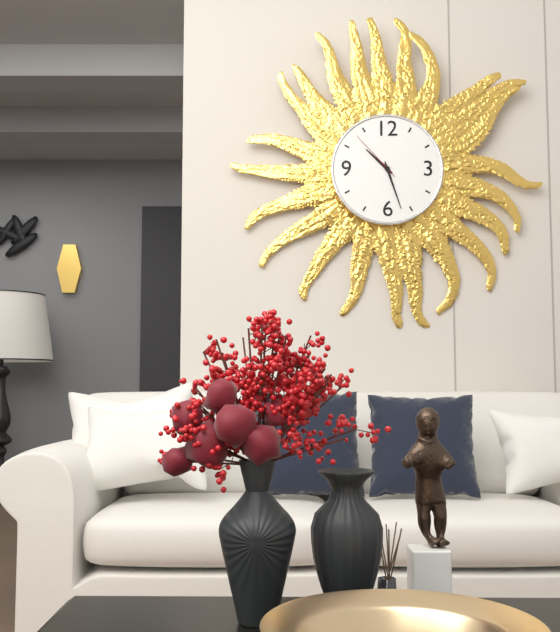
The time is 10h27m53s
